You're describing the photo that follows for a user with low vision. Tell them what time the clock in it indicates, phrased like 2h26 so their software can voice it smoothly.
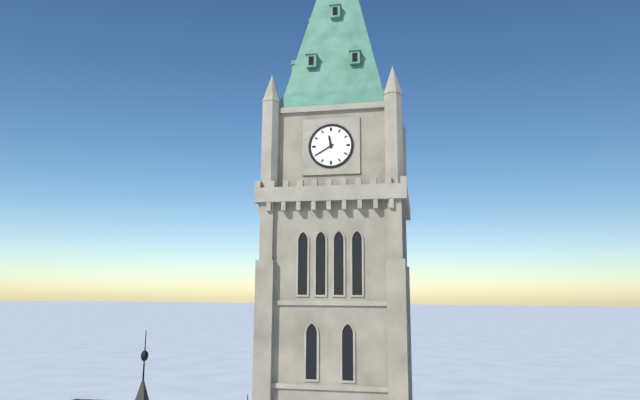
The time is 11h40
